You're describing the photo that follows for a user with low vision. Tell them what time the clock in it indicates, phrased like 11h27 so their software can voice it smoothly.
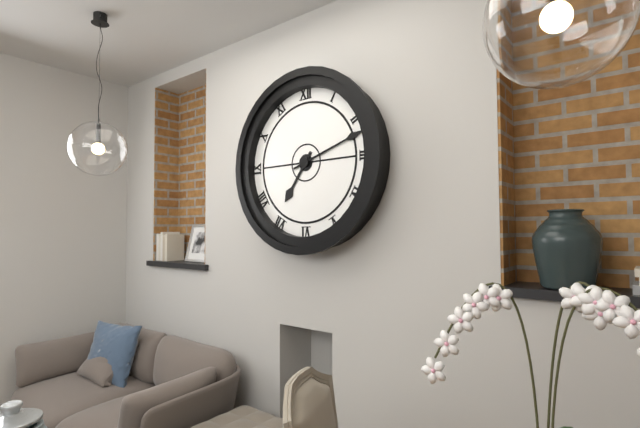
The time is 7h12
